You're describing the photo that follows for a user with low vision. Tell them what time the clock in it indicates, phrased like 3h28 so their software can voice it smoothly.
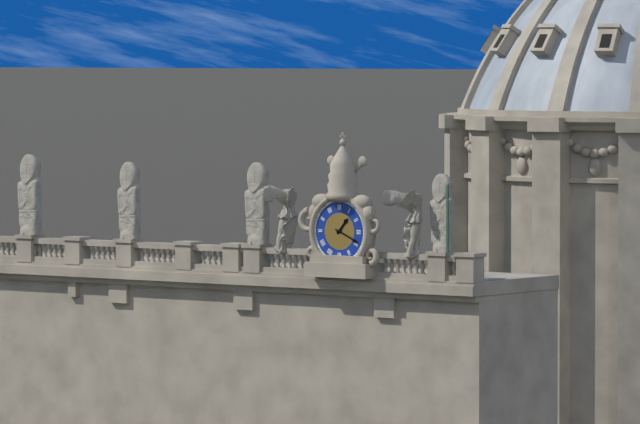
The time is 1h19
